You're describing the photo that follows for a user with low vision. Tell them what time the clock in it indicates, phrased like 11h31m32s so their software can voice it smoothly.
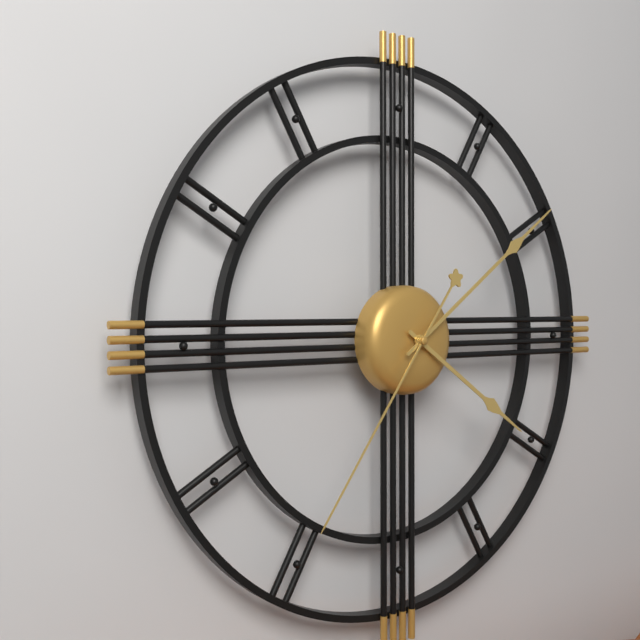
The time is 4h09m36s
